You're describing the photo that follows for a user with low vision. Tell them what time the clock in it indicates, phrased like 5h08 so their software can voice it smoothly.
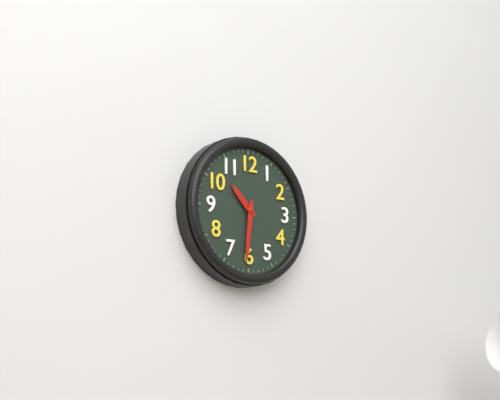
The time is 10h31
